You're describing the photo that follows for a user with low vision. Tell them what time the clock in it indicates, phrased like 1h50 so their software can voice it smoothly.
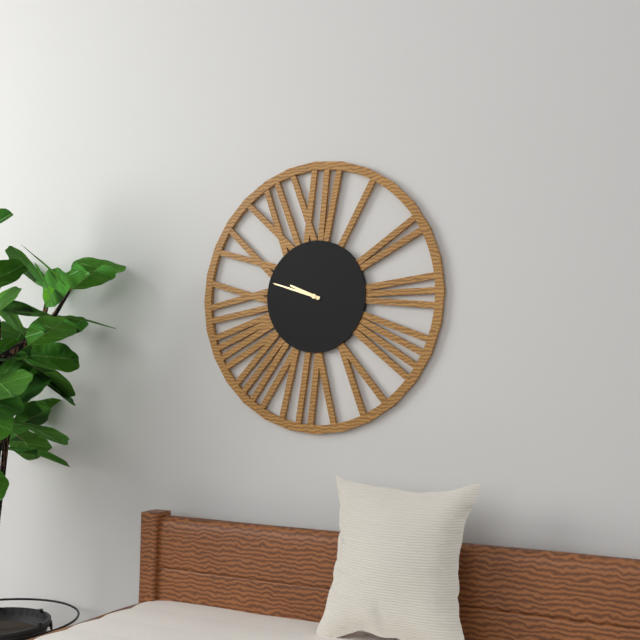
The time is 9h48
